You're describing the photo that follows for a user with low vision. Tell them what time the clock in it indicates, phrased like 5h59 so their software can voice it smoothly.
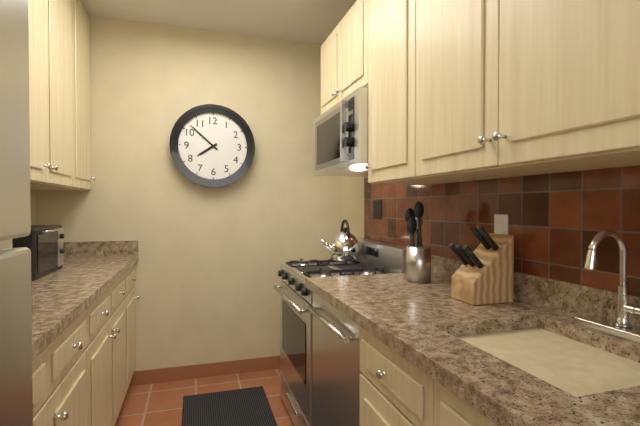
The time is 7h52
